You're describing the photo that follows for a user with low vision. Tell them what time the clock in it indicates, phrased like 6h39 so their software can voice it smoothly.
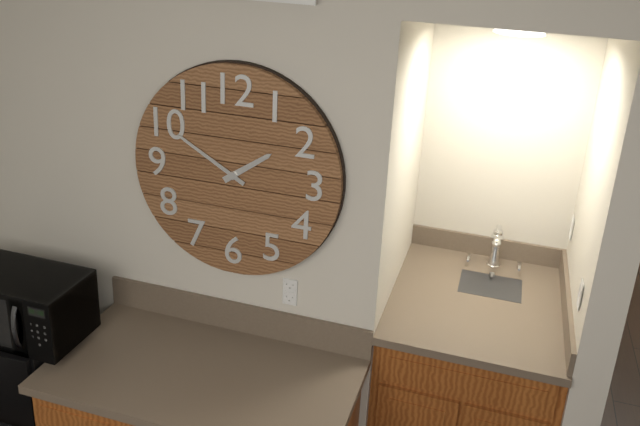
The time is 1h50
